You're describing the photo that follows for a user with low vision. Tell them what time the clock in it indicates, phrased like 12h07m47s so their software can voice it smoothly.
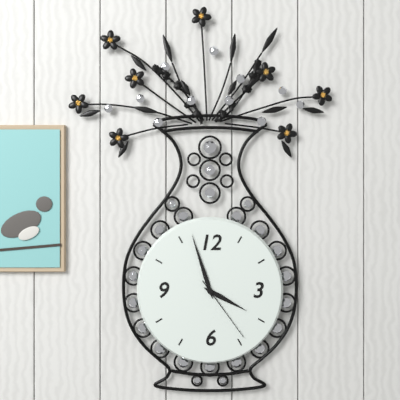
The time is 3h57m24s
